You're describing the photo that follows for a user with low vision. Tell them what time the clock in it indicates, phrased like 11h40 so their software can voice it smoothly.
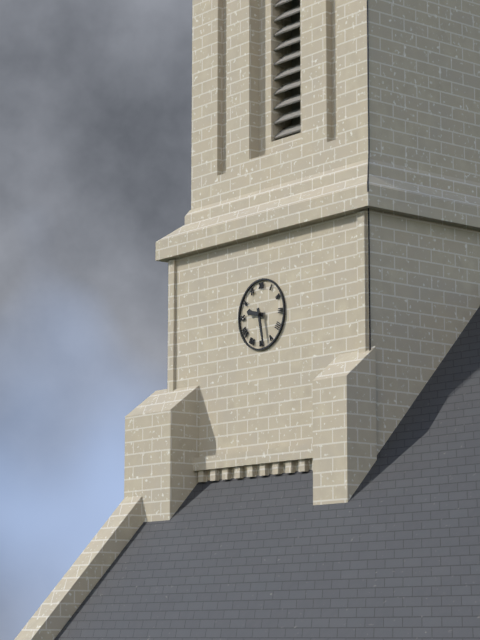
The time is 9h28
